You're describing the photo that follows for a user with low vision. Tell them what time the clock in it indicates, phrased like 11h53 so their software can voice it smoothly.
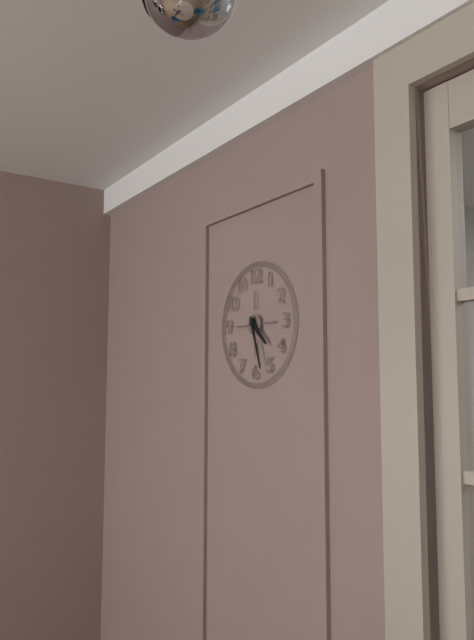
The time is 4h27
